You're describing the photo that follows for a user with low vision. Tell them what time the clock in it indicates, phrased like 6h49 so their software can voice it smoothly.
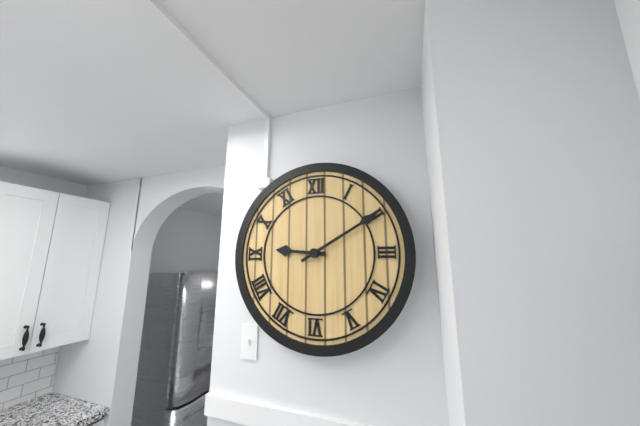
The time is 9h10
